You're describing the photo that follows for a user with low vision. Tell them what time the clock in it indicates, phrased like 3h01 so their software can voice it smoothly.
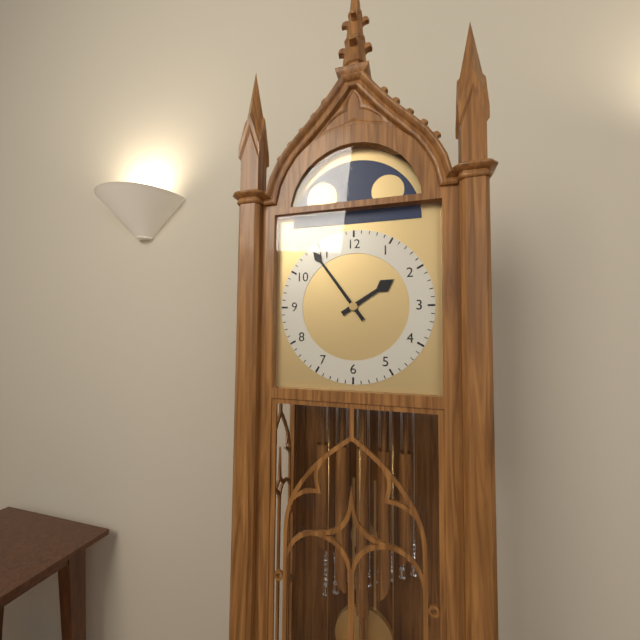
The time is 1h54
